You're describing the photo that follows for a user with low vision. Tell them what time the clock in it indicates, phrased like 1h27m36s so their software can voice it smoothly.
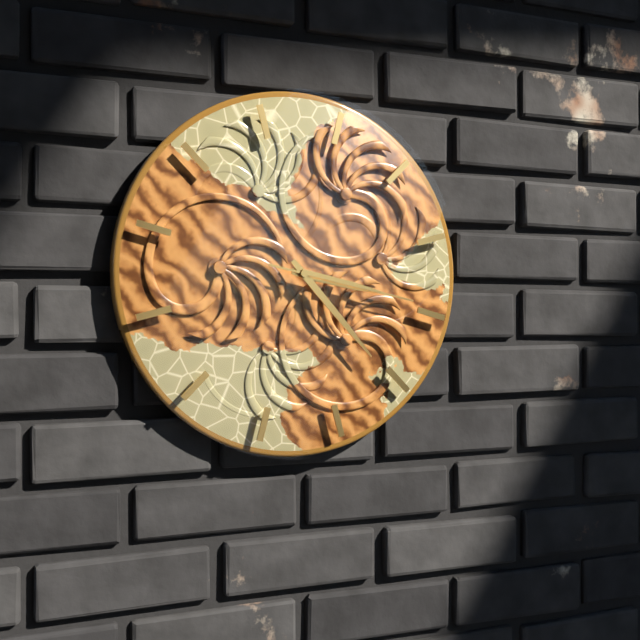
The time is 3h23m17s
